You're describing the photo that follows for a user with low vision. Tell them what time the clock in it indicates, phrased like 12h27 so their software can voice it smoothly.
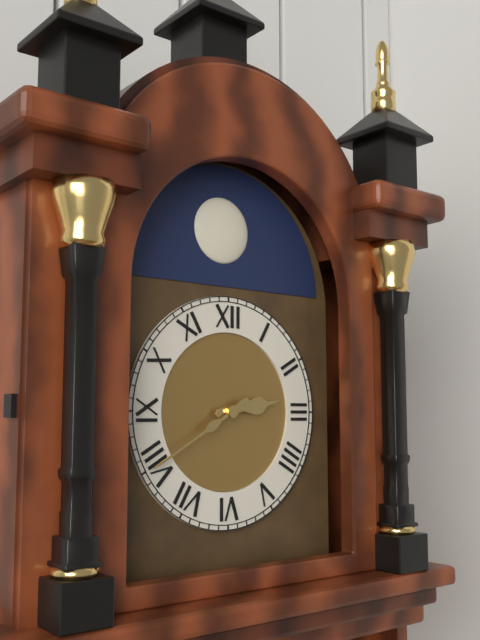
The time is 2h40
